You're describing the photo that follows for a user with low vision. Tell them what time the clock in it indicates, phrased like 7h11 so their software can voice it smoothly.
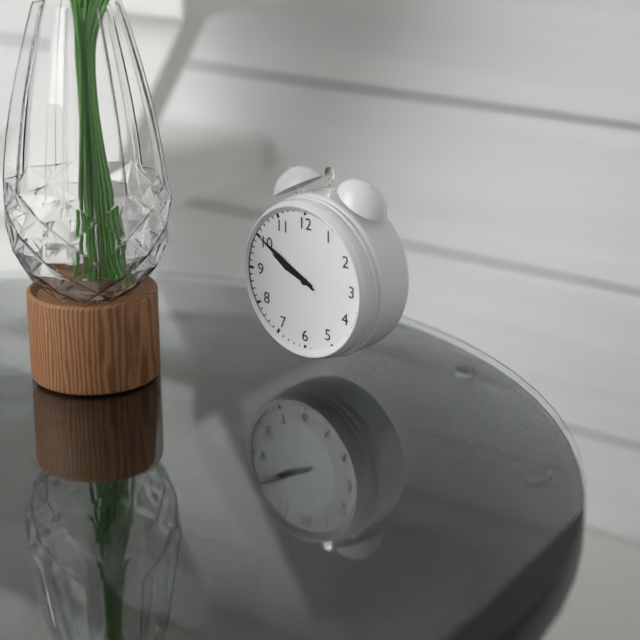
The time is 9h50
